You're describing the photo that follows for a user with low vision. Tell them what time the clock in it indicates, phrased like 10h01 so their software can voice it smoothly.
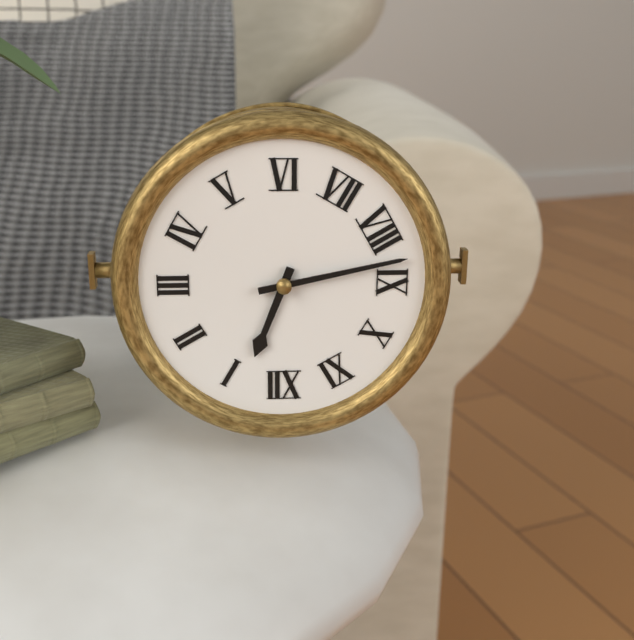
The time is 12h43
